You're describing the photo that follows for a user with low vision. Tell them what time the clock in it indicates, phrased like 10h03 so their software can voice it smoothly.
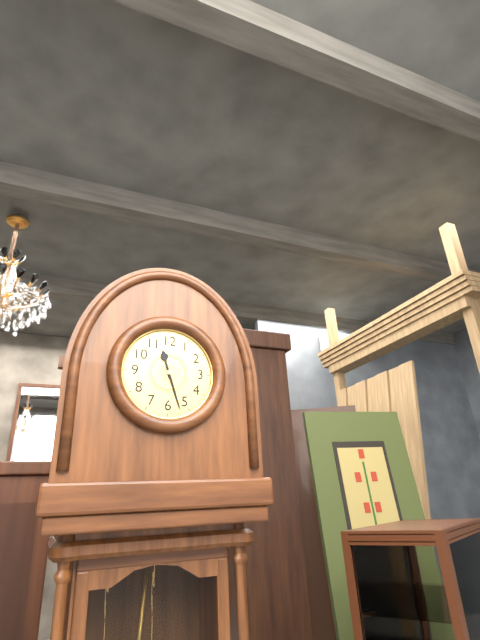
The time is 11h27
